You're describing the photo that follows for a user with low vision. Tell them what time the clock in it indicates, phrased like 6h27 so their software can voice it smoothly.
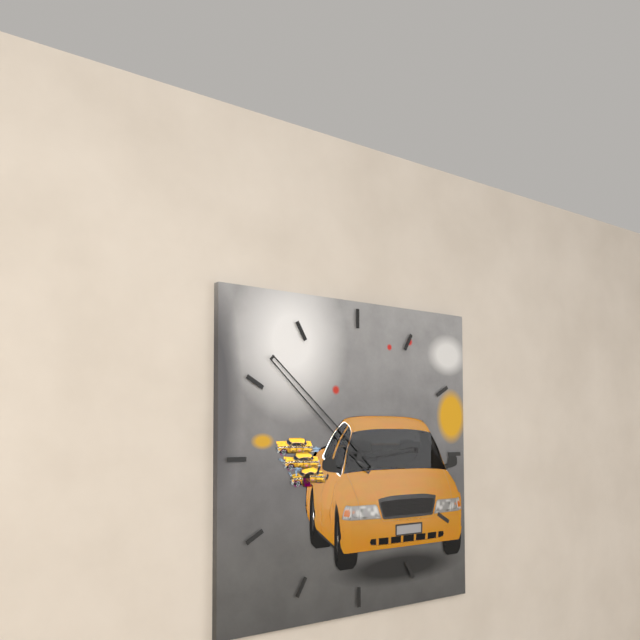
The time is 2h52
